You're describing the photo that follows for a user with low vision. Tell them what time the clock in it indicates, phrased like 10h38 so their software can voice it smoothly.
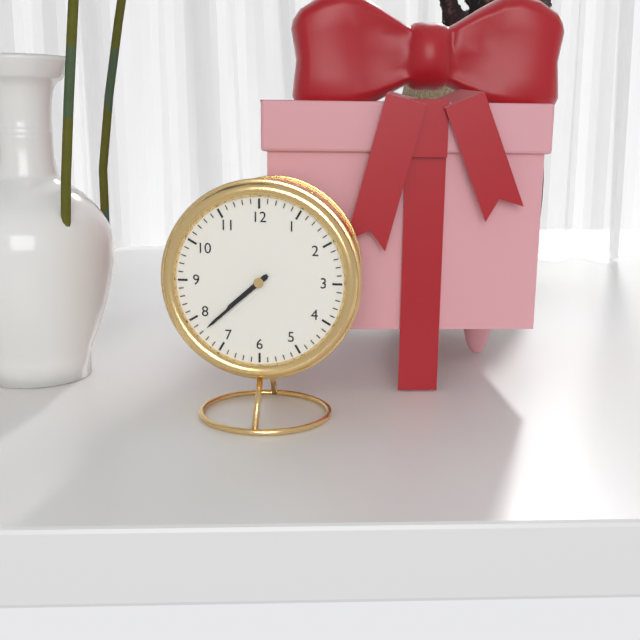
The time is 7h38
